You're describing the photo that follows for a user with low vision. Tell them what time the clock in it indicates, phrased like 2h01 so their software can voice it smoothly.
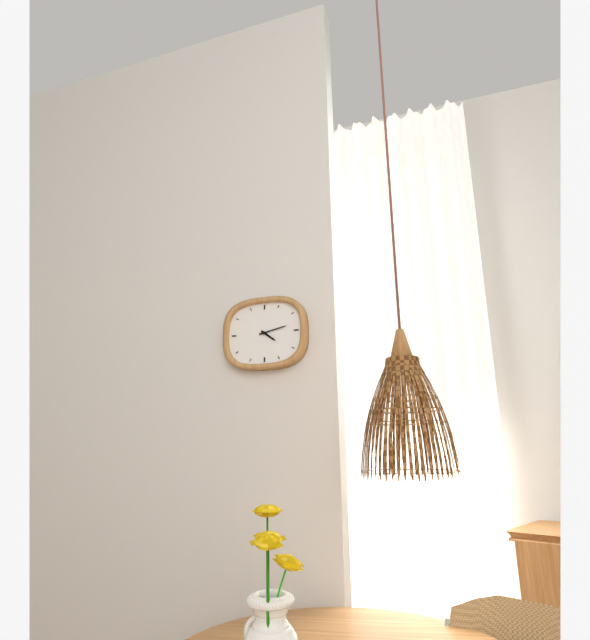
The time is 4h13
